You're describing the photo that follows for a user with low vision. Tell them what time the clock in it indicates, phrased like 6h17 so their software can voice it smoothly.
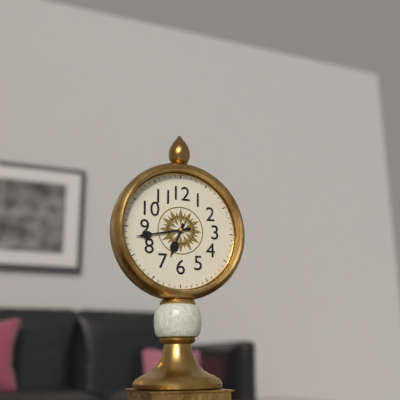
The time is 6h43
